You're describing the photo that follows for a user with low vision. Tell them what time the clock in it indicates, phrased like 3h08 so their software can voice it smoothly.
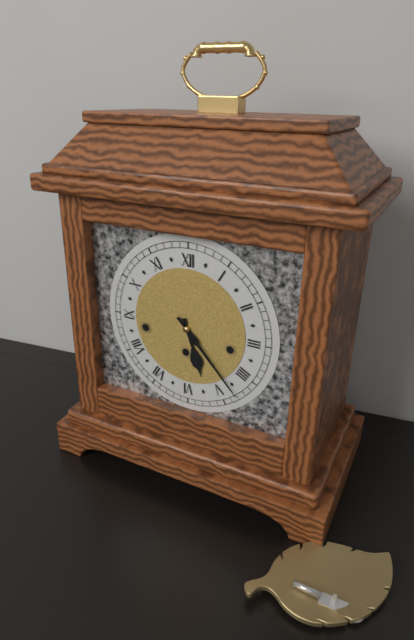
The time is 5h23
